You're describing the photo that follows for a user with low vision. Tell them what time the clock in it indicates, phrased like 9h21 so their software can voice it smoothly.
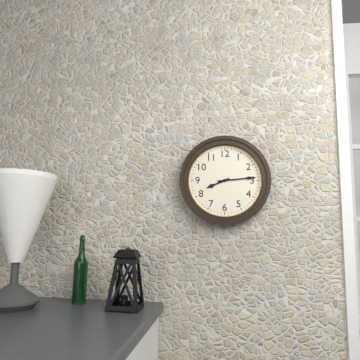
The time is 8h14
